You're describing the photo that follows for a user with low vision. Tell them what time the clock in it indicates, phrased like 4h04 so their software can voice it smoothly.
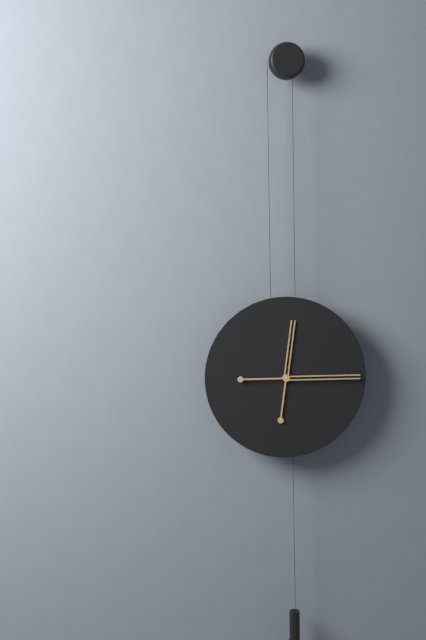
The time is 12h15
